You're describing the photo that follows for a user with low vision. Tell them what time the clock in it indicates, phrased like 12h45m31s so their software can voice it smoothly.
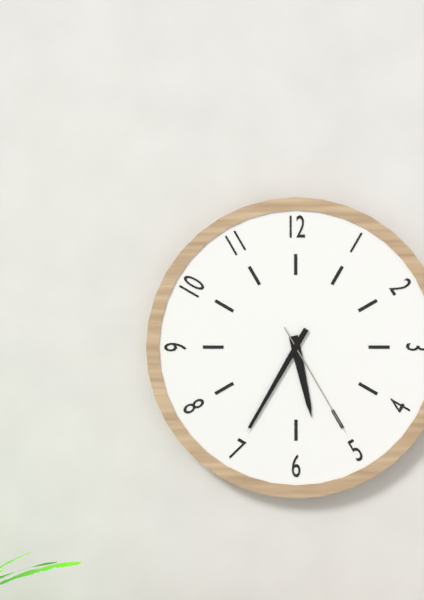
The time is 5h35m25s
